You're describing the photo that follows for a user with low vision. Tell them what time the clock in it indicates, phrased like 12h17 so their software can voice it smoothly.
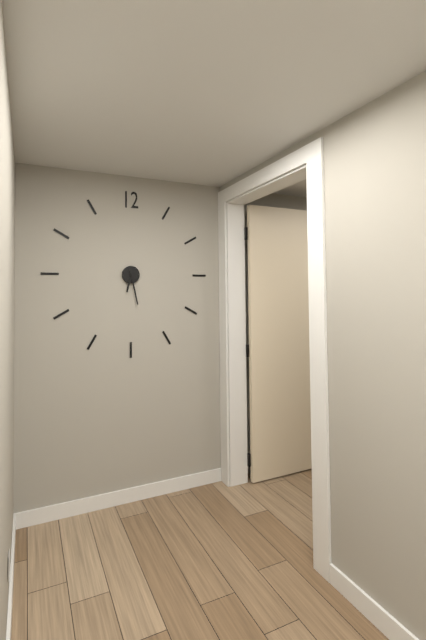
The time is 6h28
